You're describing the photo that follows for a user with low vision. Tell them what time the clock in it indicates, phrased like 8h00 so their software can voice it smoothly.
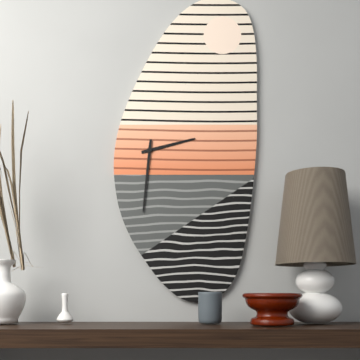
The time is 2h31
